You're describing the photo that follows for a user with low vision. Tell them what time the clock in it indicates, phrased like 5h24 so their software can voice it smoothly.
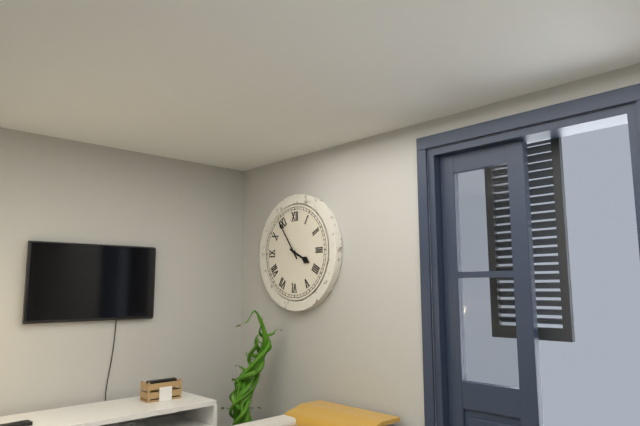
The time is 3h54
